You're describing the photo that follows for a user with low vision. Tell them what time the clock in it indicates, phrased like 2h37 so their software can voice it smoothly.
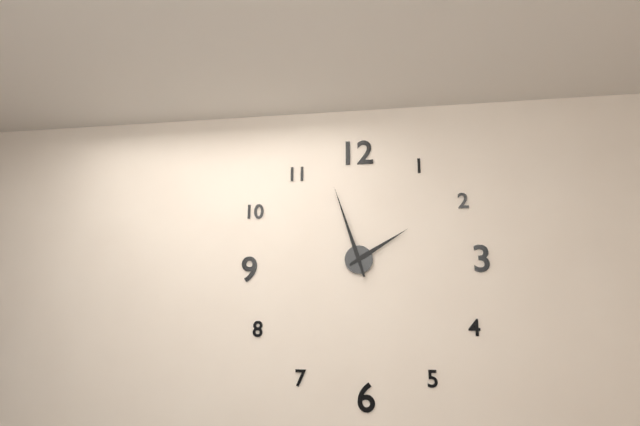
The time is 1h57
